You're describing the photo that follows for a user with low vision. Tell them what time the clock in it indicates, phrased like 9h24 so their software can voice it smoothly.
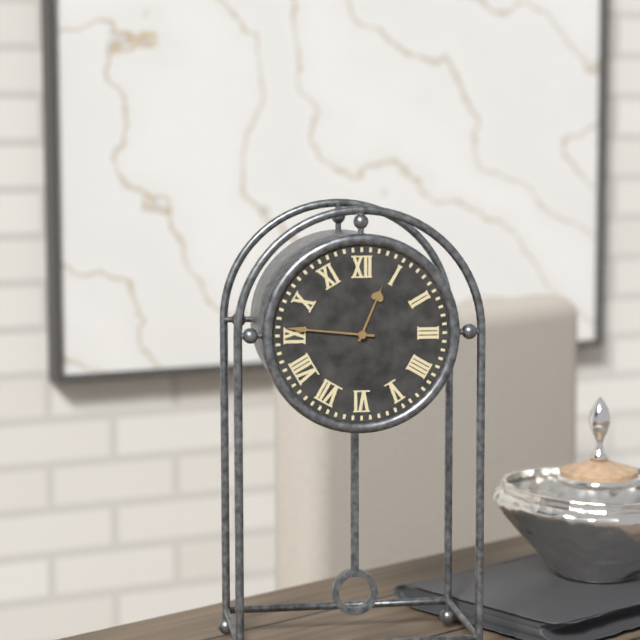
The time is 12h46
